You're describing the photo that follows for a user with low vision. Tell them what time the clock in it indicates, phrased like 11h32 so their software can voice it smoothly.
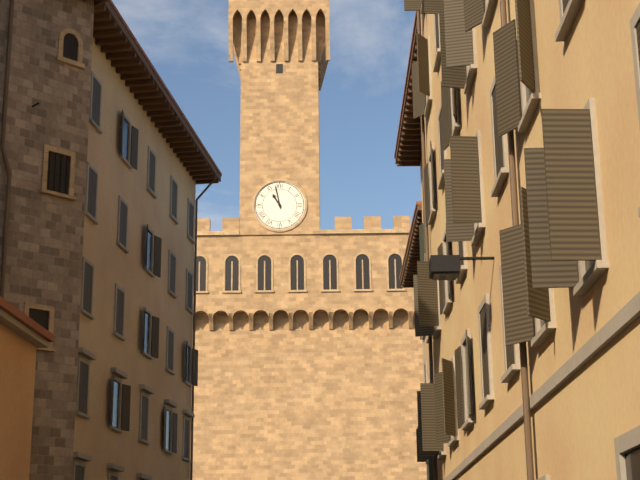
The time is 10h58
